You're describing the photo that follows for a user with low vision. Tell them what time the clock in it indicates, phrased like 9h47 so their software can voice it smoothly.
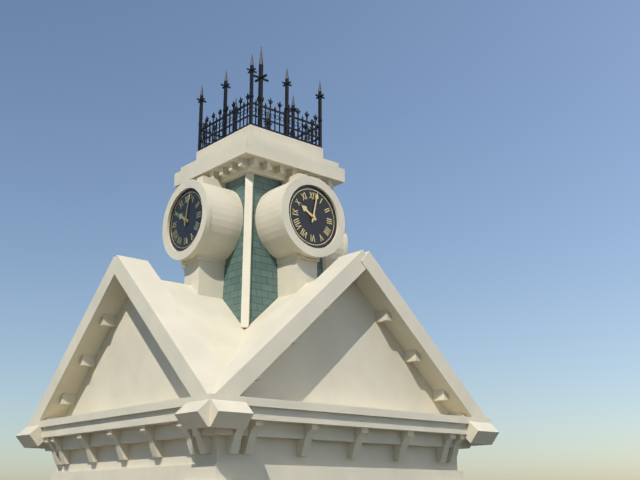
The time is 10h02
